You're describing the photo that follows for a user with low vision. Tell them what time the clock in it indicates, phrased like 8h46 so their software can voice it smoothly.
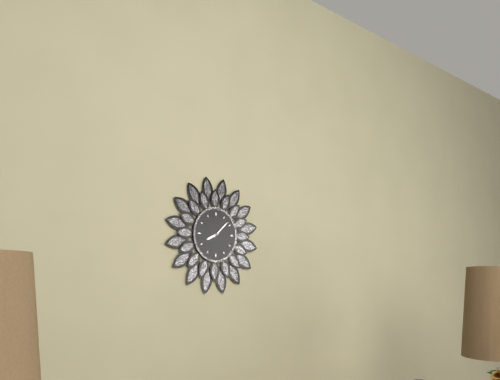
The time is 8h08
